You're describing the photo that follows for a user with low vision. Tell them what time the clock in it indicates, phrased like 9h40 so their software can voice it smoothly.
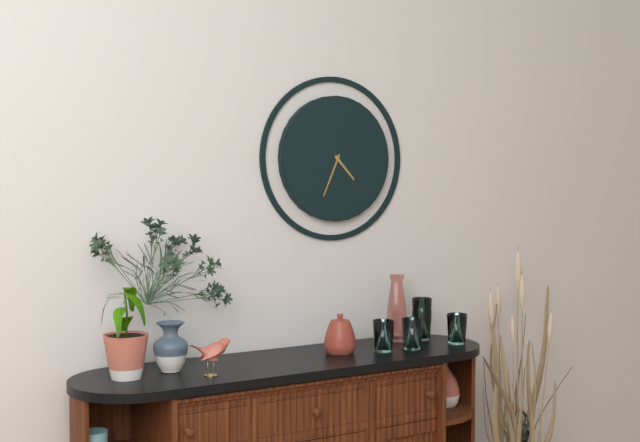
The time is 4h34
